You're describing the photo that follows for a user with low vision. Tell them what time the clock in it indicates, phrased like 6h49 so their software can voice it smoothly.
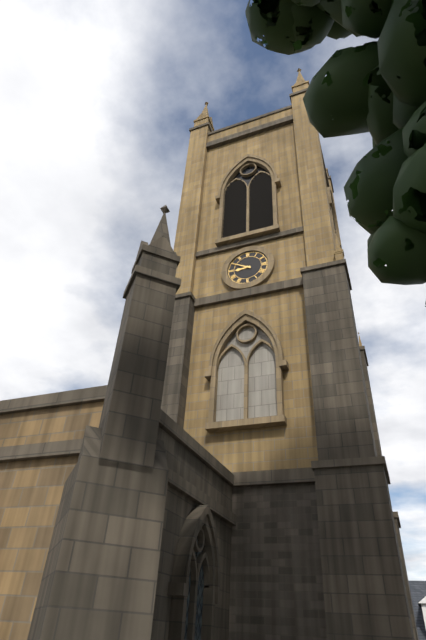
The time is 8h50
